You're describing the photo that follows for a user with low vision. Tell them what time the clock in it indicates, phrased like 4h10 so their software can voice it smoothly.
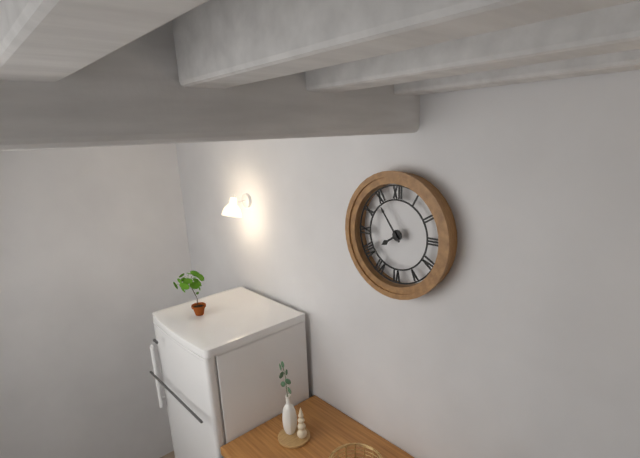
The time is 7h54
